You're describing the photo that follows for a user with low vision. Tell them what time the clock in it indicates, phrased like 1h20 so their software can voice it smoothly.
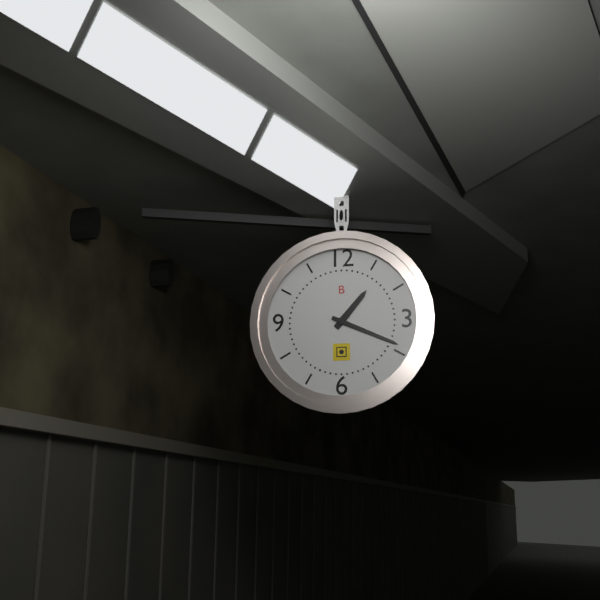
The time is 1h19
